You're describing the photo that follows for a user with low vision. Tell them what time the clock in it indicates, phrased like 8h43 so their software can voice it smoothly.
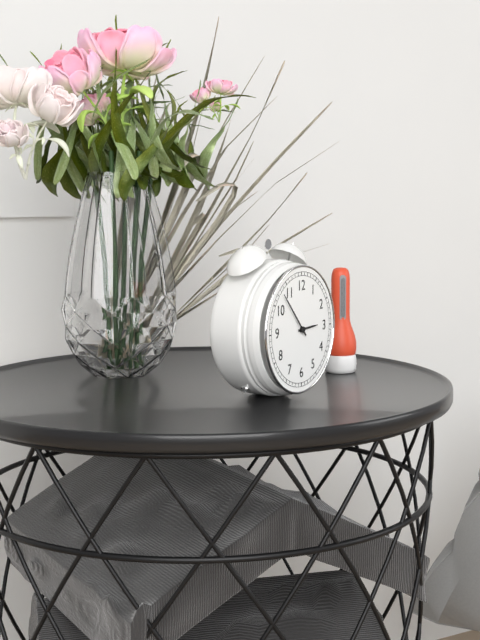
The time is 2h53
